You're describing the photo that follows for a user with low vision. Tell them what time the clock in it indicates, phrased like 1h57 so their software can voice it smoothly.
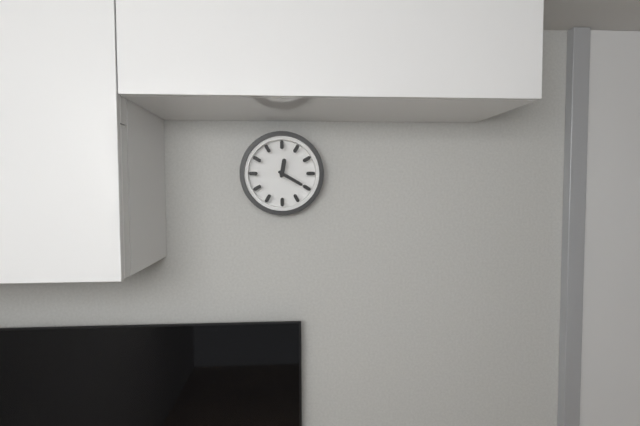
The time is 12h20
